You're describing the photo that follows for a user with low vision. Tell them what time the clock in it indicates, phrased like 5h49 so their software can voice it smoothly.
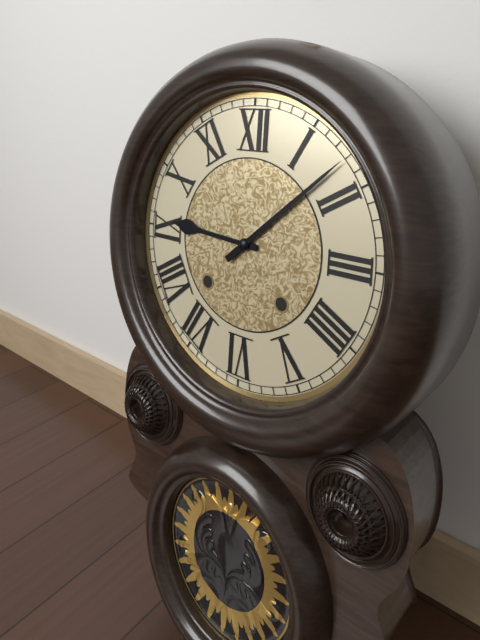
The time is 9h08
